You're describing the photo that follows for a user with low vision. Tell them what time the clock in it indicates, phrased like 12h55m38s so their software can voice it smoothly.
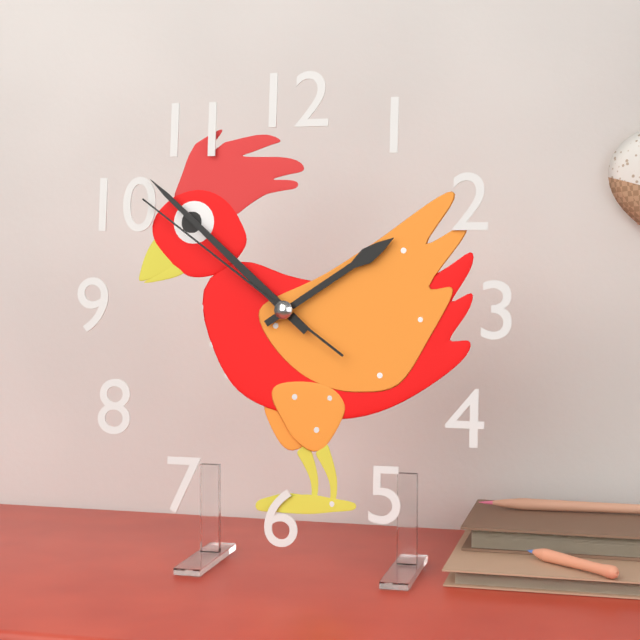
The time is 1h52m51s
